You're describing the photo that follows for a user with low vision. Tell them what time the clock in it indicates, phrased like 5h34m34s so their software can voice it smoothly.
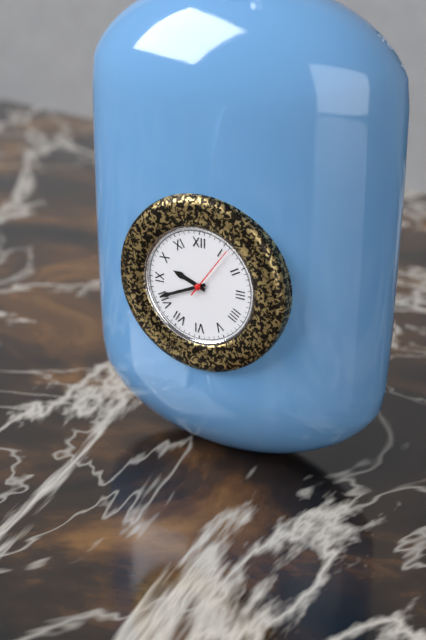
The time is 9h41m06s
